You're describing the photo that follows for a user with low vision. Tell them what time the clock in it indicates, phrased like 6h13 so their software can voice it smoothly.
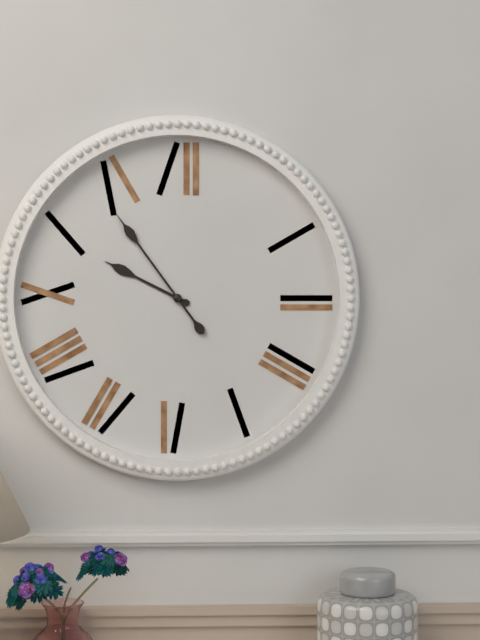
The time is 9h54
